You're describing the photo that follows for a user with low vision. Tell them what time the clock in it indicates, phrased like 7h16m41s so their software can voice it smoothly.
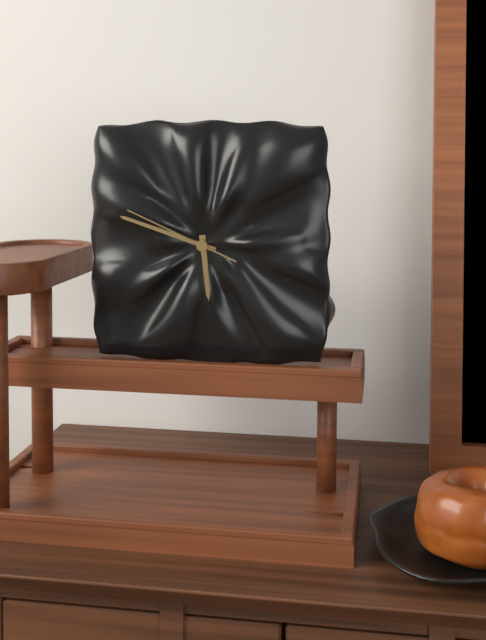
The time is 5h48m49s
